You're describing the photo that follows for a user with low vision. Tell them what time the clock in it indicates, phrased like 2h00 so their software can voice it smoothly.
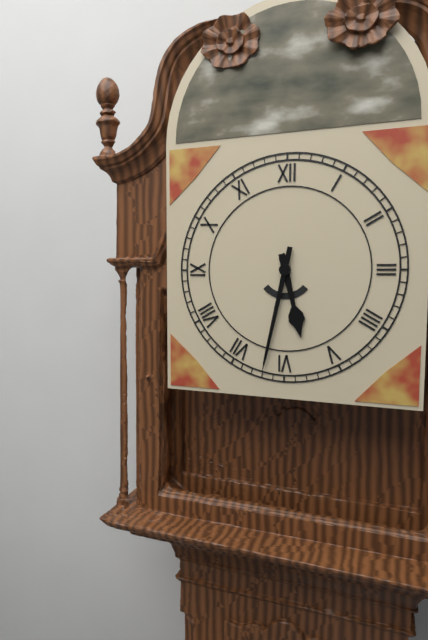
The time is 5h32
